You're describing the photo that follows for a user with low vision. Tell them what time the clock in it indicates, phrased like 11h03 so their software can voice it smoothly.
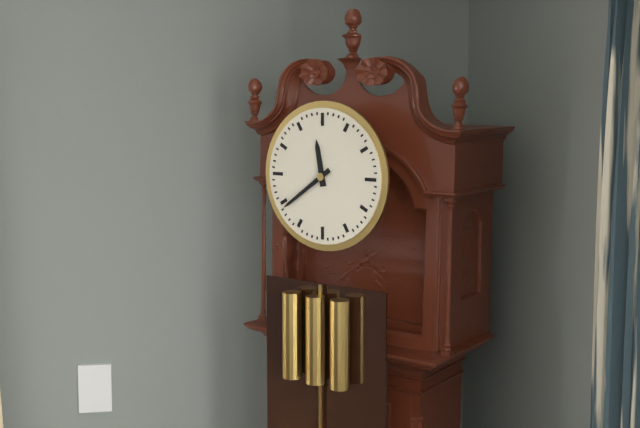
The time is 11h39
